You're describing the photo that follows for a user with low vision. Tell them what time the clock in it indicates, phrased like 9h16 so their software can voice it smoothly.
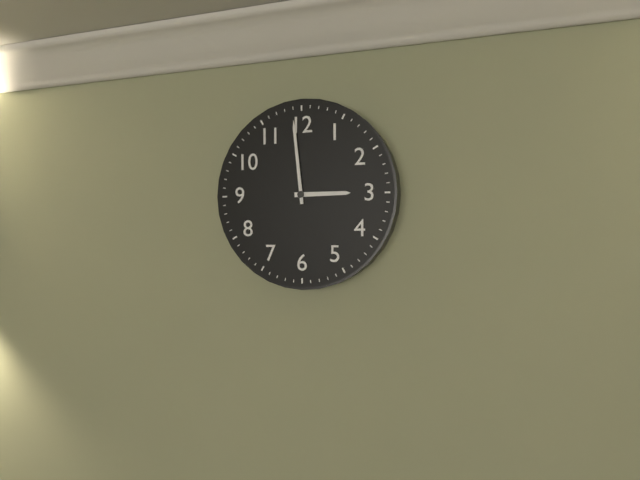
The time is 2h59
